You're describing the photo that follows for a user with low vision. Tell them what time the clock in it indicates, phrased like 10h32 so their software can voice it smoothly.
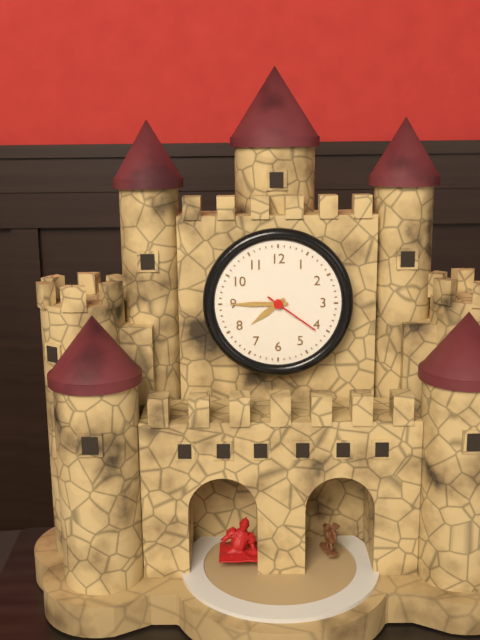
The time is 7h45
